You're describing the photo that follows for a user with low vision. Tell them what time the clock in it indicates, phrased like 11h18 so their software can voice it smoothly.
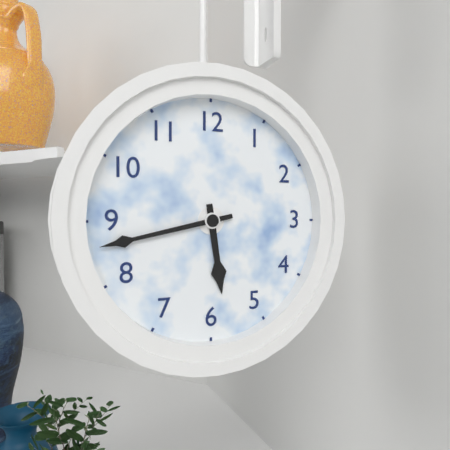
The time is 5h43
